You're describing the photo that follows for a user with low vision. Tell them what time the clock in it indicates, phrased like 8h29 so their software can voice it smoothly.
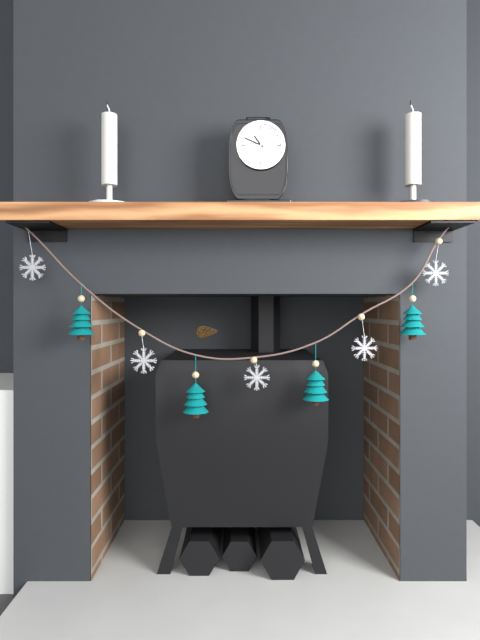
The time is 10h49
